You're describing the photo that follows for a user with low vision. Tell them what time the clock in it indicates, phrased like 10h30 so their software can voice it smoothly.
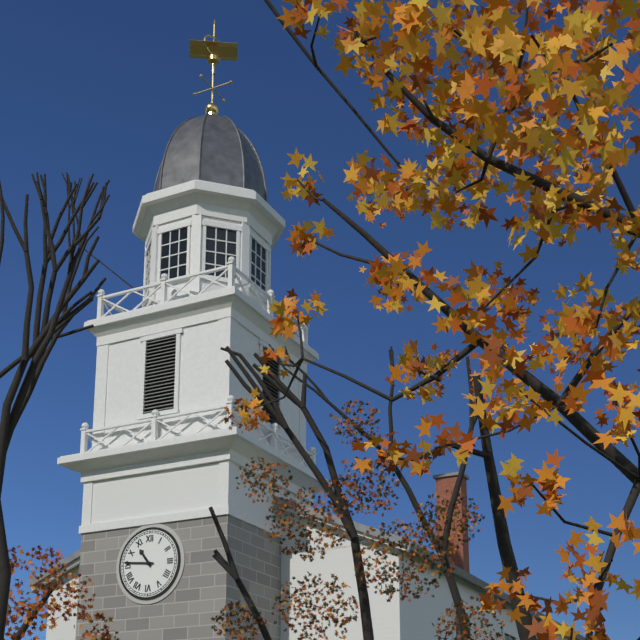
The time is 10h46
